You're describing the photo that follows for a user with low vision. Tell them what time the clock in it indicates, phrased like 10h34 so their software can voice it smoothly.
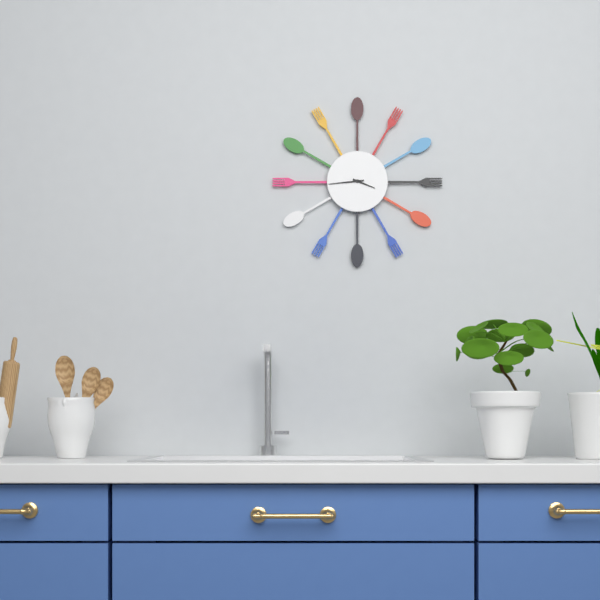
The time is 3h44
